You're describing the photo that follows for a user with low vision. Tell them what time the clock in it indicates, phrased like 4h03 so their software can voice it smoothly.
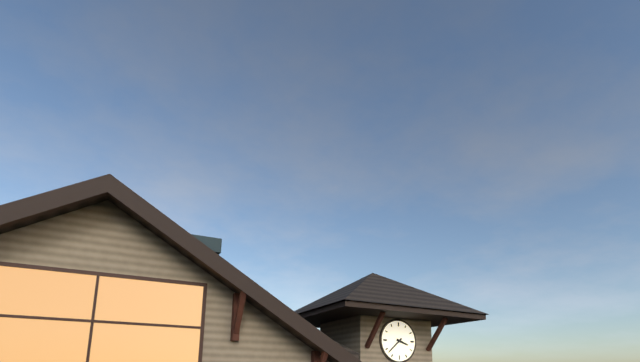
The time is 3h38
